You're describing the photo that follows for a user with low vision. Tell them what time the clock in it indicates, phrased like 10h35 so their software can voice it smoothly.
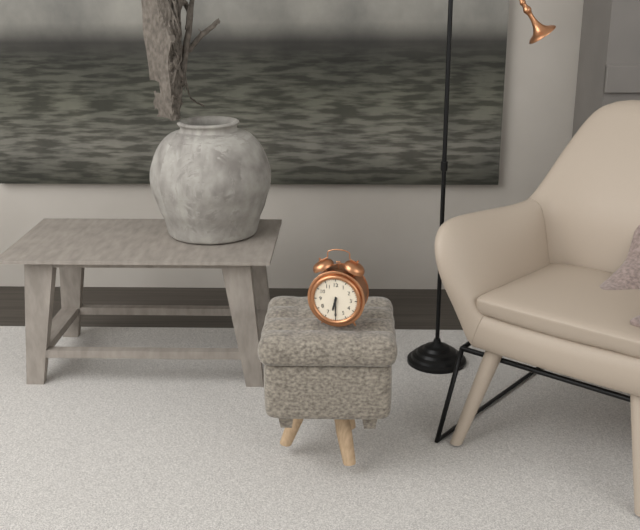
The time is 6h30
